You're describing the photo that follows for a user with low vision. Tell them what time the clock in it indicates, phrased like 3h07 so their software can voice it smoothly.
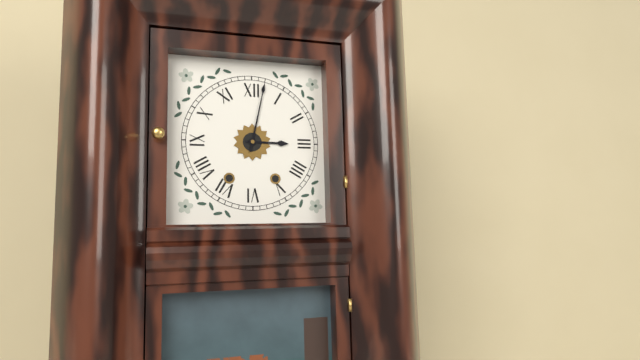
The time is 3h02
